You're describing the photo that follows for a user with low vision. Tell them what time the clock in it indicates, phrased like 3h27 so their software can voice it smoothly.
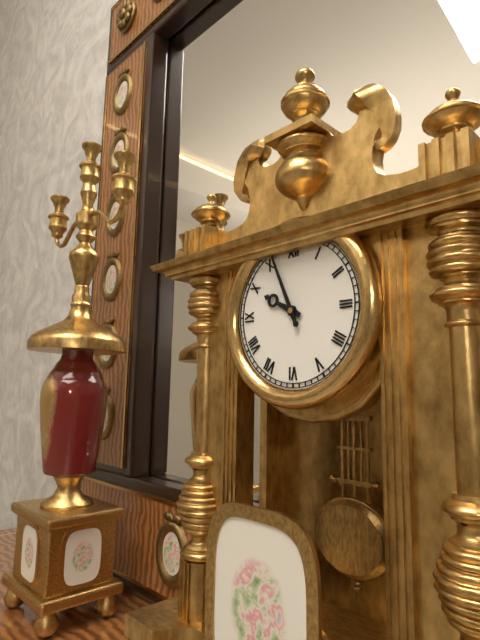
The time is 9h56
